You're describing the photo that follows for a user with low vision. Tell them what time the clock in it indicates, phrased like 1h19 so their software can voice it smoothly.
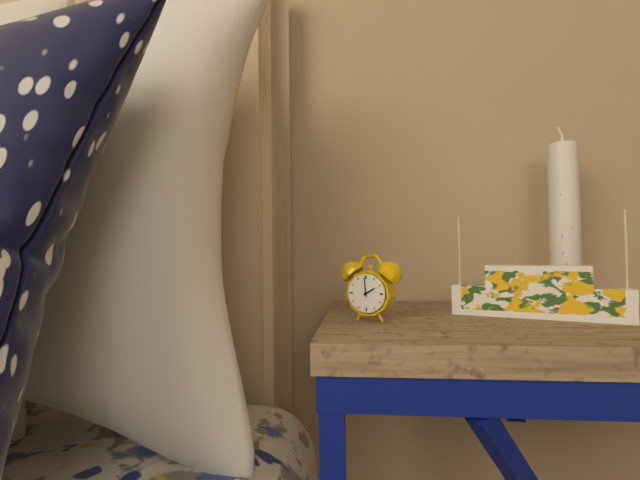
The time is 1h59
